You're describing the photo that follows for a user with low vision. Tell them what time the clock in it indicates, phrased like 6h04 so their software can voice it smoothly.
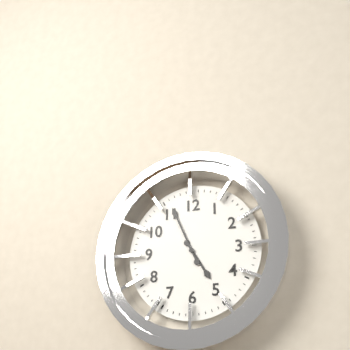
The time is 4h56
